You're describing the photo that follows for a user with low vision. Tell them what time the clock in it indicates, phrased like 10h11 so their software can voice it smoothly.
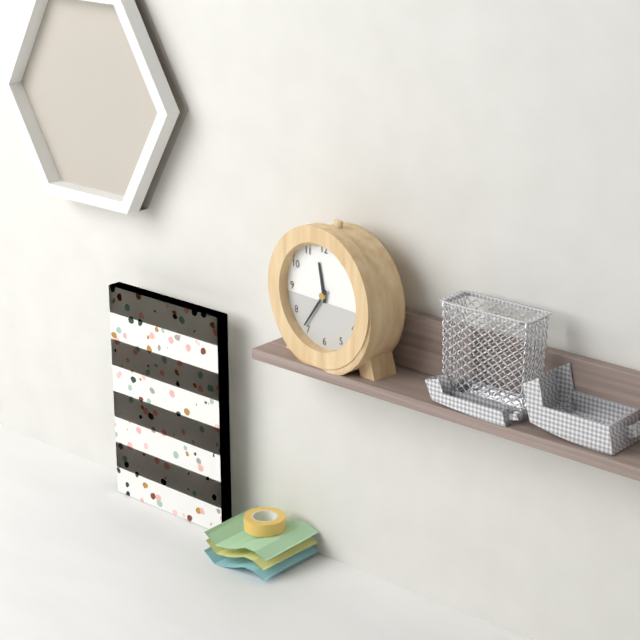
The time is 11h36
